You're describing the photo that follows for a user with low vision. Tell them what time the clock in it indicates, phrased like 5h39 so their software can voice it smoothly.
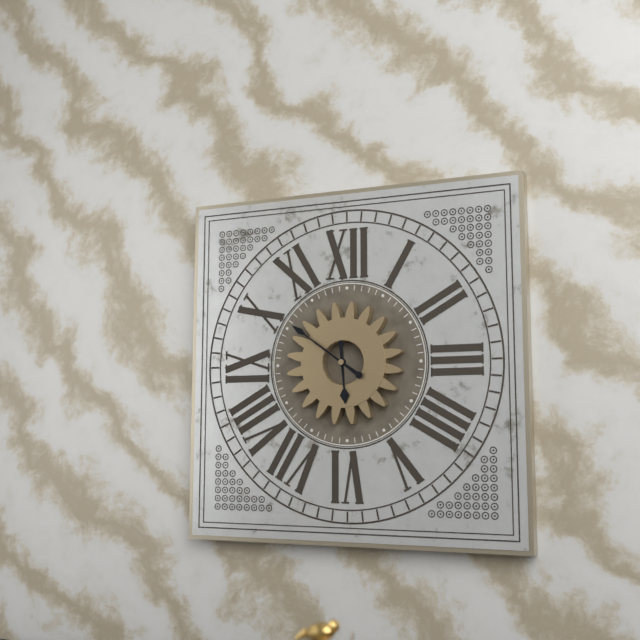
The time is 5h51
